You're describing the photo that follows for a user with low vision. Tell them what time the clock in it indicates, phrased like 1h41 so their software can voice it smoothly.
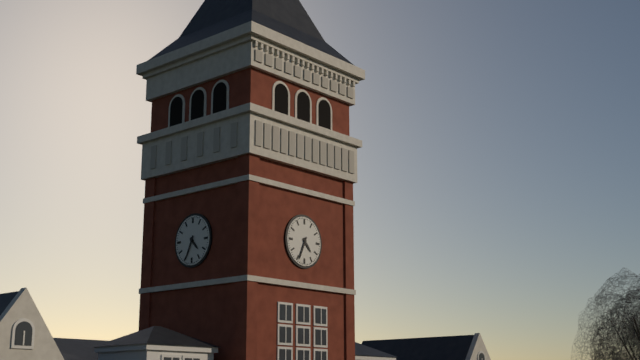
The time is 4h34
